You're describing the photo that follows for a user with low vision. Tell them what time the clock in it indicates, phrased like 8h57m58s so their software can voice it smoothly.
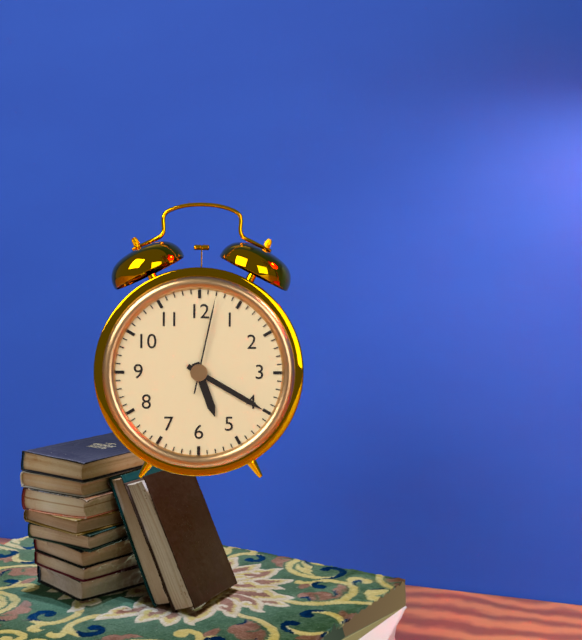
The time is 5h20m02s
